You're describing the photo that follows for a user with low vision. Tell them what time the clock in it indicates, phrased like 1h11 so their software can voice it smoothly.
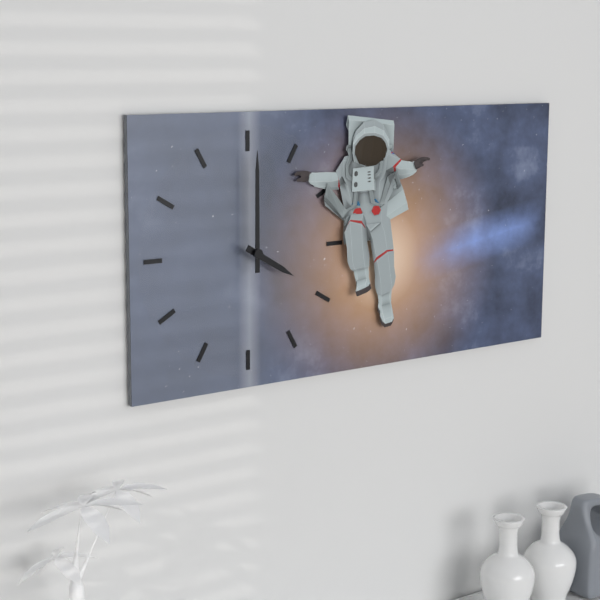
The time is 4h00
